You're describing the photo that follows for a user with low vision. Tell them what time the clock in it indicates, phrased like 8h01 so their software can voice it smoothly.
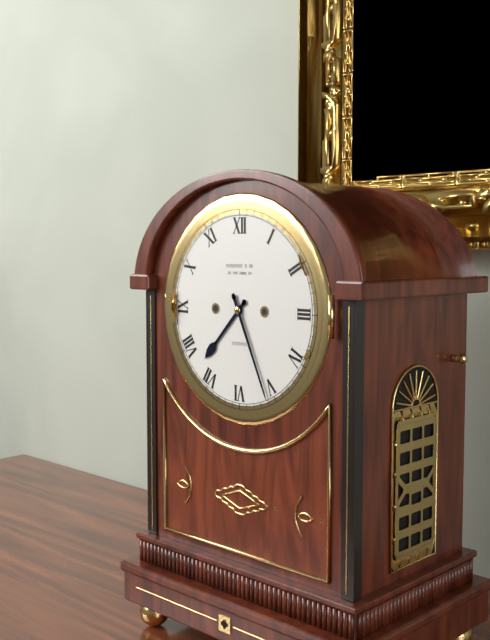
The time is 7h26
